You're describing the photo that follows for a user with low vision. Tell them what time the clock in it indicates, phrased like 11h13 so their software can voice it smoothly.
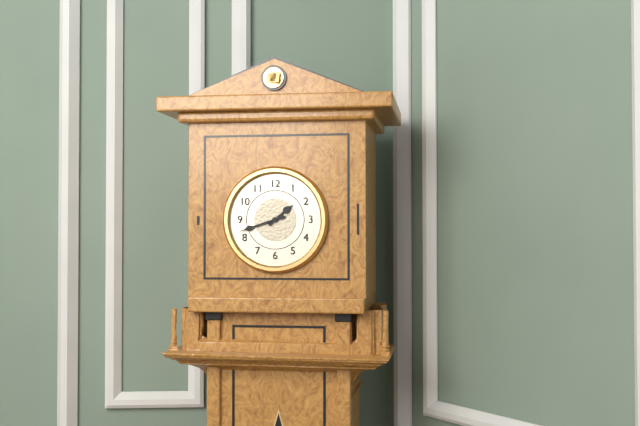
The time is 1h42
